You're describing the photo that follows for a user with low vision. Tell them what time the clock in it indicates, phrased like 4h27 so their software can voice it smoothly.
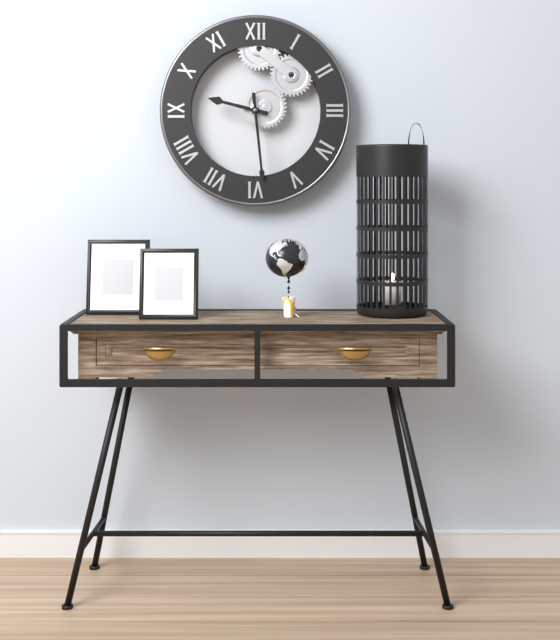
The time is 9h29
